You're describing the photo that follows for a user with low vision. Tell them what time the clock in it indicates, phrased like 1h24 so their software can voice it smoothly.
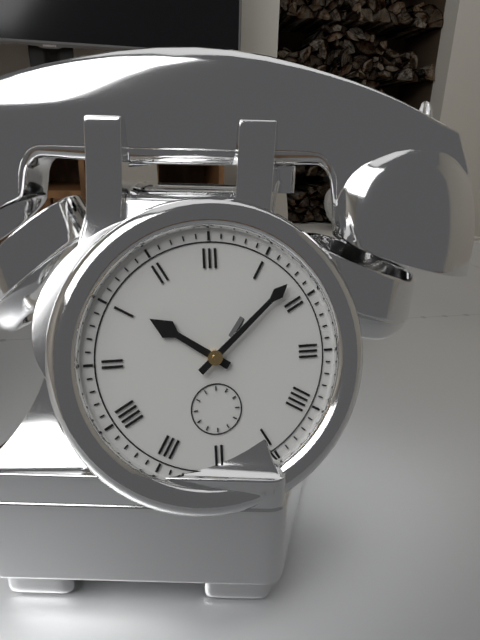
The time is 10h08
